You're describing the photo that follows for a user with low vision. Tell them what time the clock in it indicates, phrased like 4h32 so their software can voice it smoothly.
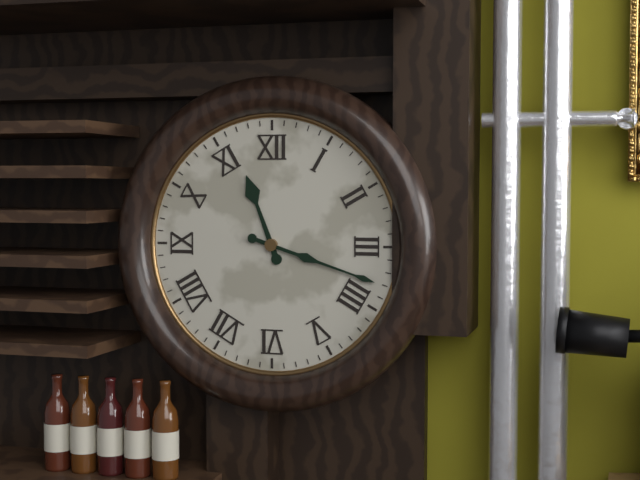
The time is 11h18
